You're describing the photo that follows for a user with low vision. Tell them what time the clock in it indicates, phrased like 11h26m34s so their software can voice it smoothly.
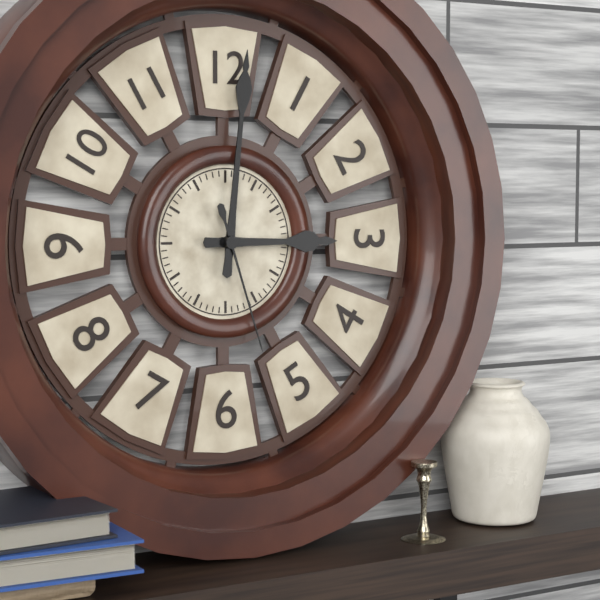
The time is 3h01m27s
